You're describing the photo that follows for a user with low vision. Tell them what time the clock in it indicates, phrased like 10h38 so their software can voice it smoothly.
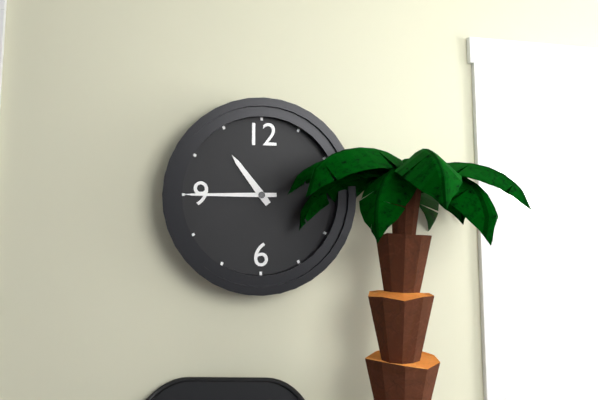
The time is 10h45
